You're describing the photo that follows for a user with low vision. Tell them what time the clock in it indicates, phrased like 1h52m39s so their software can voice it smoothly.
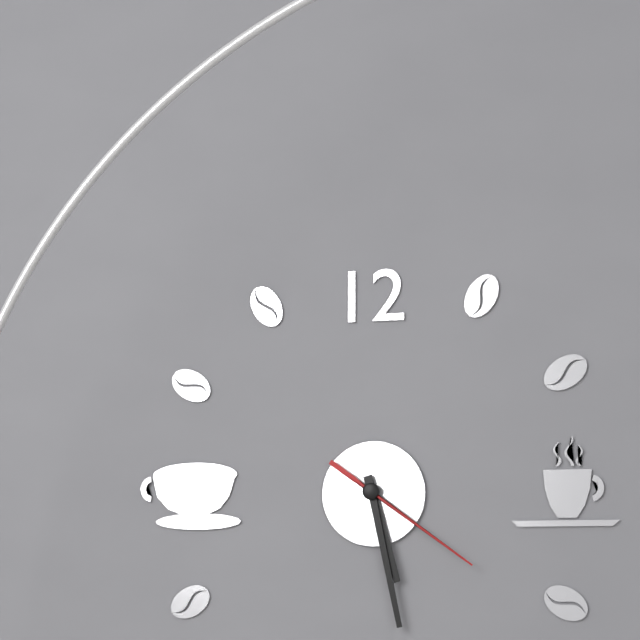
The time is 5h28m21s
